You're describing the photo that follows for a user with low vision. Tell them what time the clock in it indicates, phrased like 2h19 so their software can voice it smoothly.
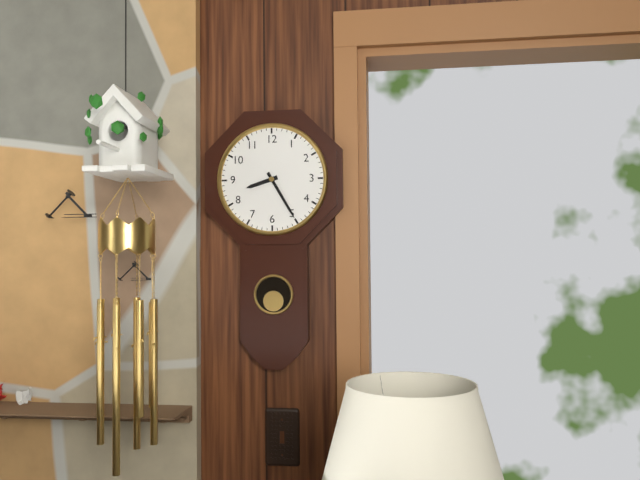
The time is 8h25
